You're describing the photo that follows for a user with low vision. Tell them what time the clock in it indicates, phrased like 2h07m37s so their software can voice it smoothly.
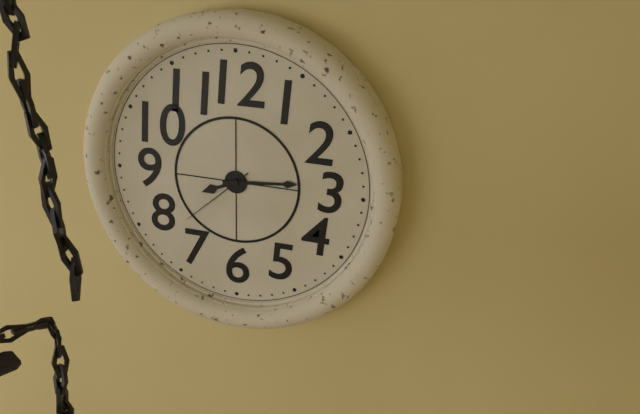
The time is 8h14m38s
